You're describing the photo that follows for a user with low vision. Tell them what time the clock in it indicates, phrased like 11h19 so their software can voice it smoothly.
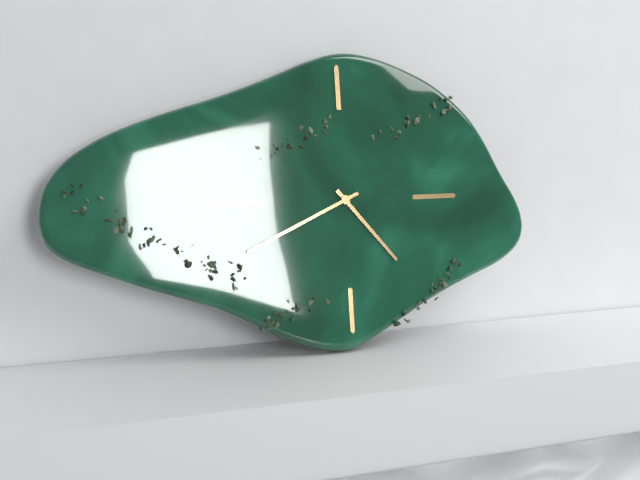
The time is 4h41
